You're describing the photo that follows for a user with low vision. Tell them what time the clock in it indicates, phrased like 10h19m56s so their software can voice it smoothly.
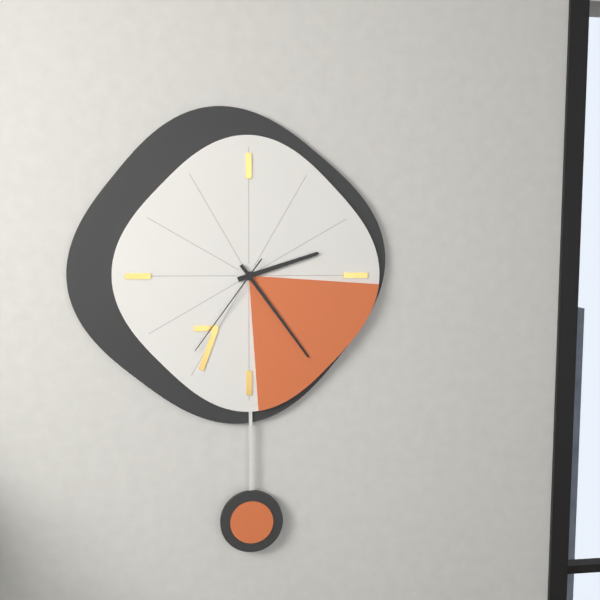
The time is 2h24m36s
